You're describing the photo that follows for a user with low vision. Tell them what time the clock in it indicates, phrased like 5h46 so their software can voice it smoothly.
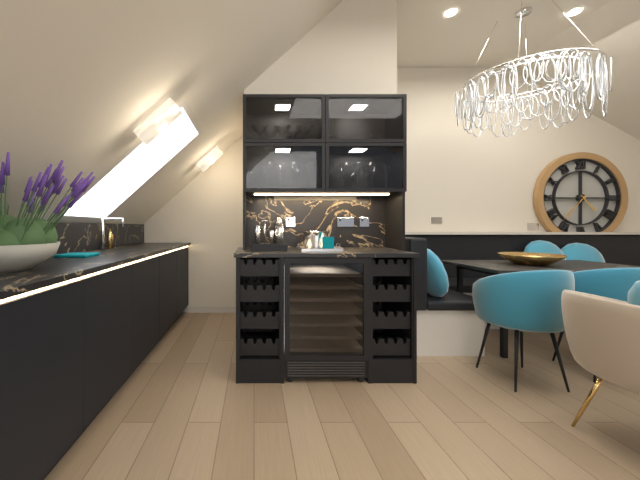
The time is 4h37
